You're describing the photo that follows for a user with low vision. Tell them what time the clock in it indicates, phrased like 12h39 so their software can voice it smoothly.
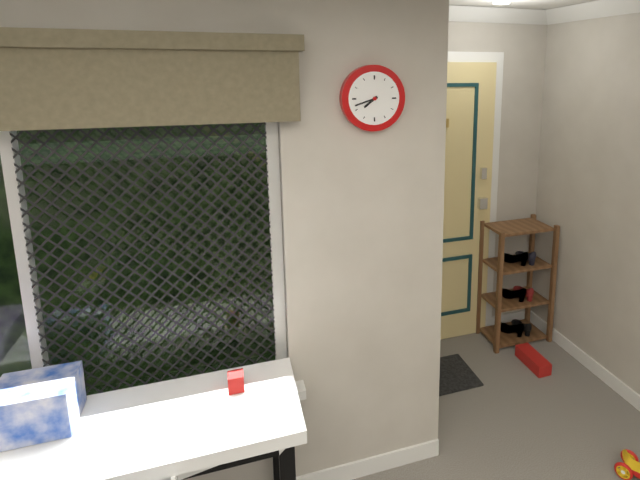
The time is 7h42
